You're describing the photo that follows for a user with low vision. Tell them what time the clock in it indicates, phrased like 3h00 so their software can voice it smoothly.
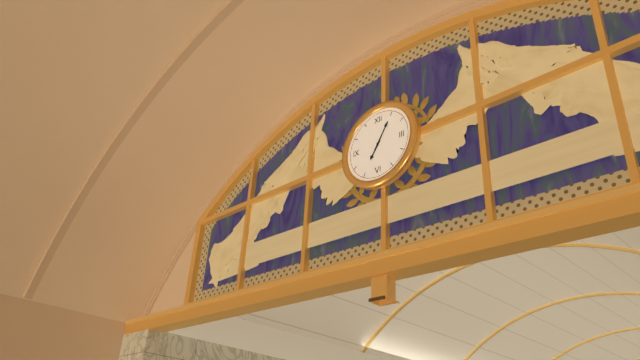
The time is 7h05
